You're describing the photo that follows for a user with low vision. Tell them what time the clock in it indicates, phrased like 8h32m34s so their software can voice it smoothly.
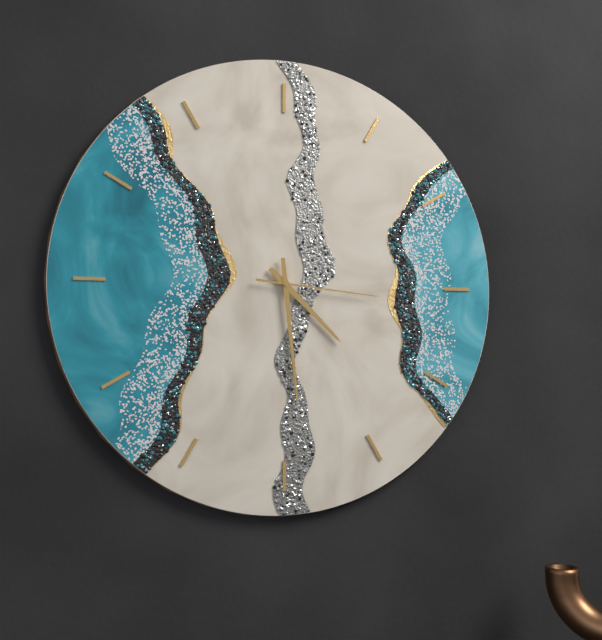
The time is 4h29m16s
